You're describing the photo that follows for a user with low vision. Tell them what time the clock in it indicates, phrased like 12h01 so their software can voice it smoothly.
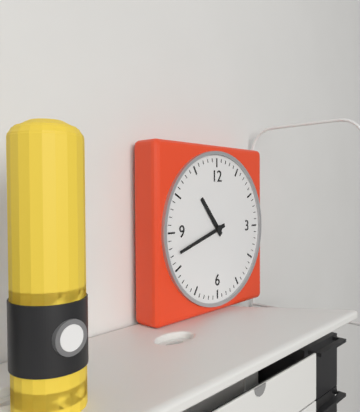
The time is 10h42
